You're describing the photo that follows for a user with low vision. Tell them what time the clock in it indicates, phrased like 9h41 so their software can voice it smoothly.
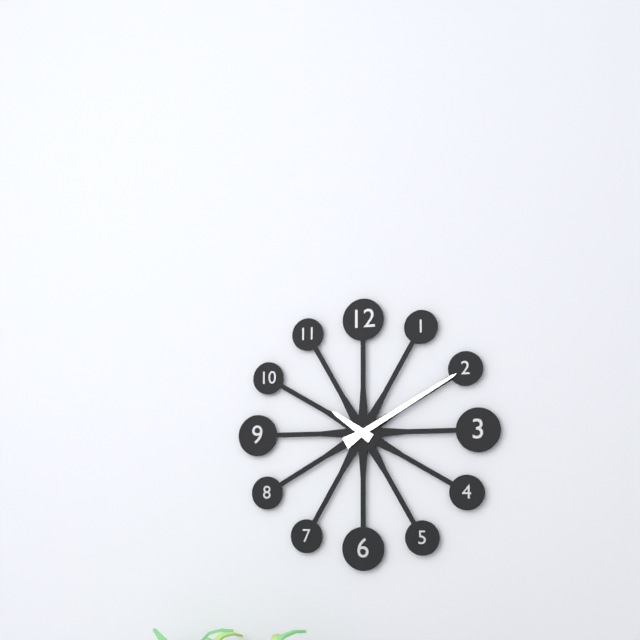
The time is 10h10
